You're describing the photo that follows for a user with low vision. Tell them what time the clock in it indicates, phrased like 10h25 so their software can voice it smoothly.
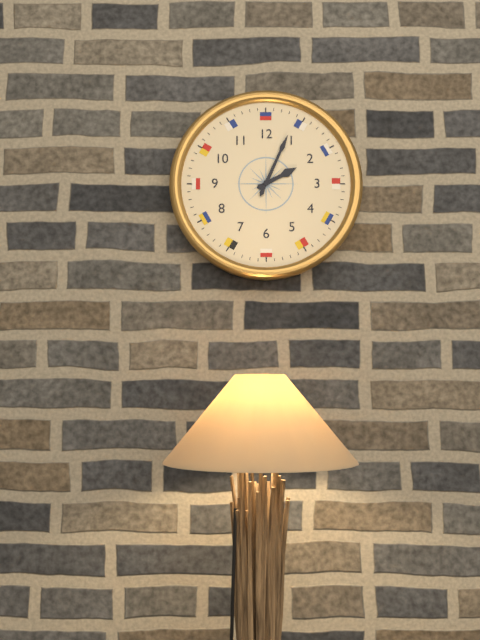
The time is 2h04
